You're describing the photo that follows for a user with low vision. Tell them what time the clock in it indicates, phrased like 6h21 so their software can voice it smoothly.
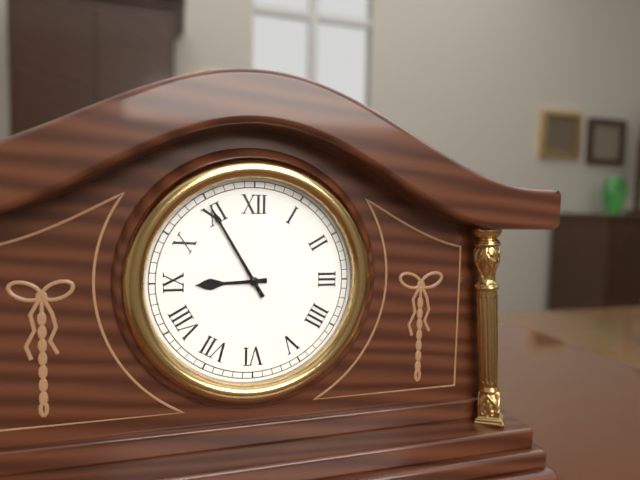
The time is 8h55
